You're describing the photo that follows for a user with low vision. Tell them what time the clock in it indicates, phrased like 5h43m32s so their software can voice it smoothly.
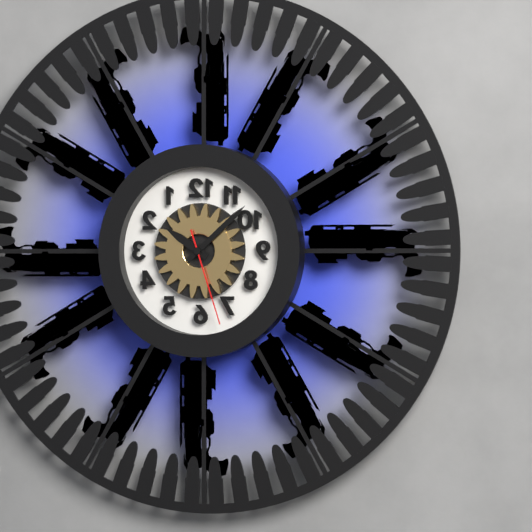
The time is 10h08m27s
